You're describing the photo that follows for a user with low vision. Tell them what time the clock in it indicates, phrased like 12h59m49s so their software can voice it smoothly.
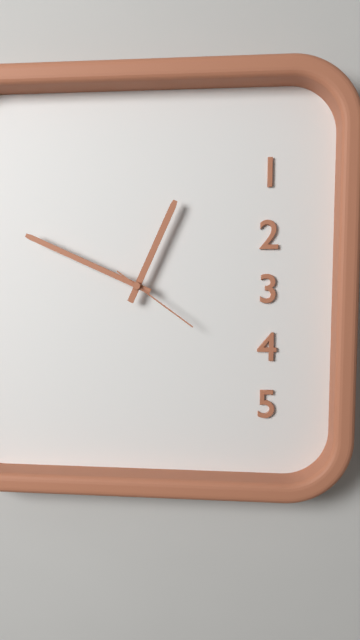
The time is 12h49m21s
